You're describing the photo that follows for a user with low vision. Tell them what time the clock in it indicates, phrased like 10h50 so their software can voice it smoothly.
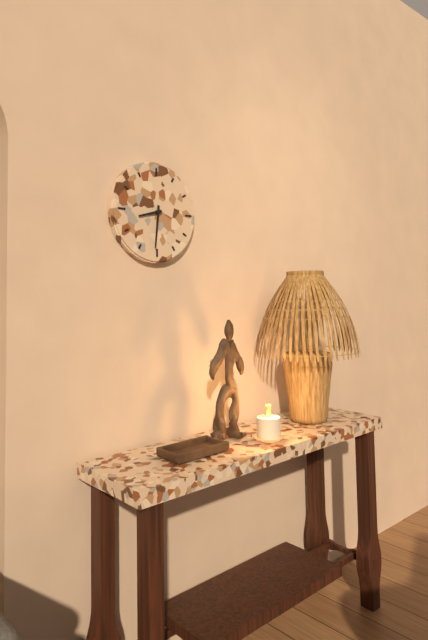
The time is 8h31
